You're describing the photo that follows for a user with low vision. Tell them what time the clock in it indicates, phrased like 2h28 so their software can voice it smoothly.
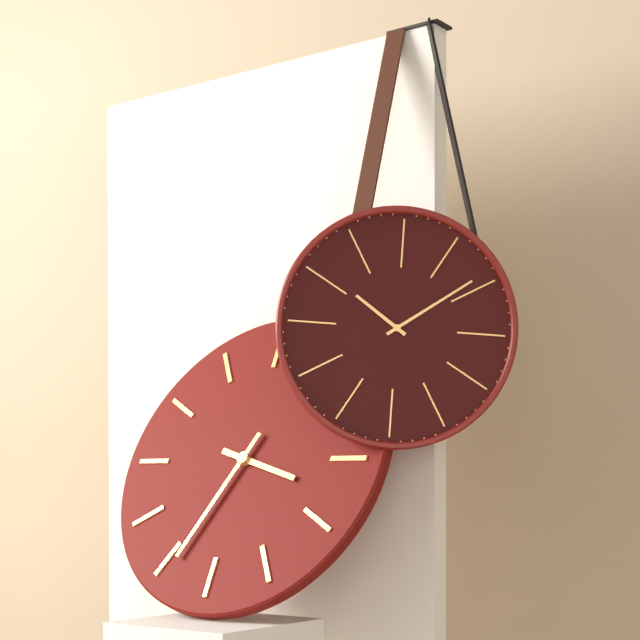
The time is 3h34
